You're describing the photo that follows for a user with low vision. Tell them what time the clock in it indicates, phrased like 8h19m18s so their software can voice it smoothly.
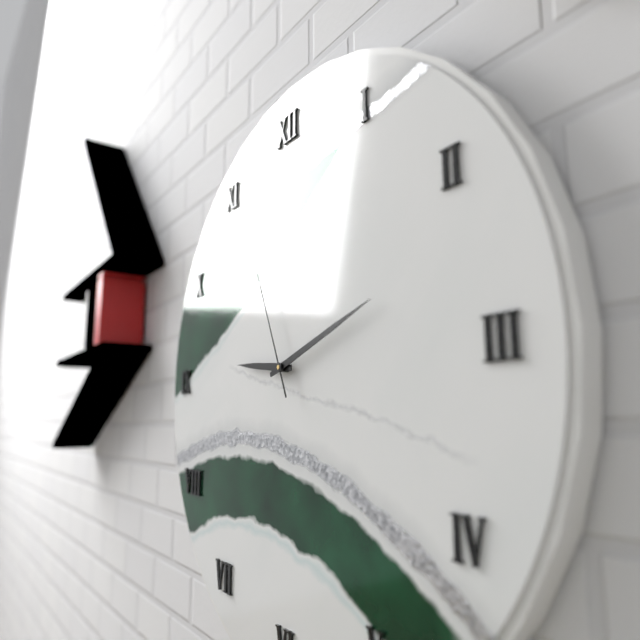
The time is 9h12m56s
